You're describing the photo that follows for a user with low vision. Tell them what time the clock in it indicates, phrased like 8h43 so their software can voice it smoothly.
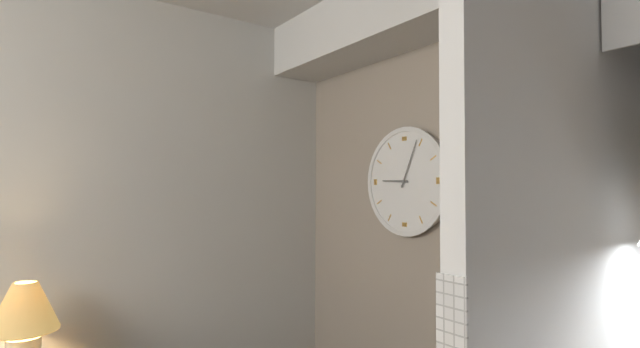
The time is 9h04
